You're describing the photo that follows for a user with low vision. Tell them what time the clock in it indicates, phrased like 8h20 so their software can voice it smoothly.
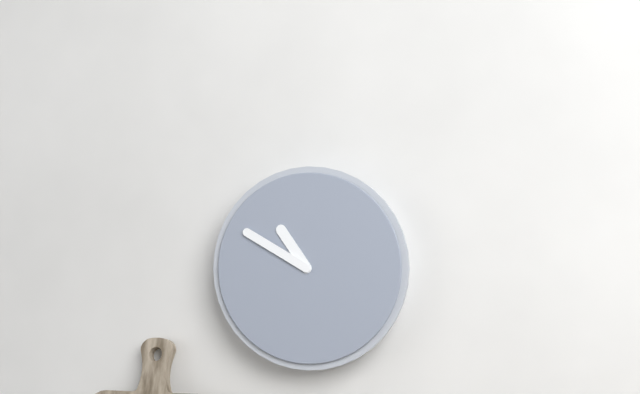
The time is 10h50
